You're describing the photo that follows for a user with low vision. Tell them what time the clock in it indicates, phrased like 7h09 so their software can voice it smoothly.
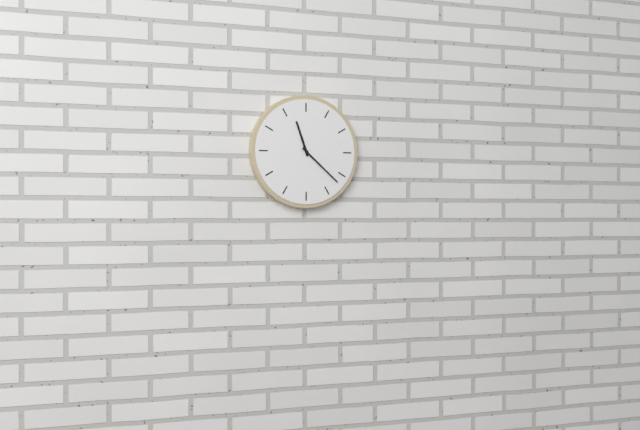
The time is 11h22
